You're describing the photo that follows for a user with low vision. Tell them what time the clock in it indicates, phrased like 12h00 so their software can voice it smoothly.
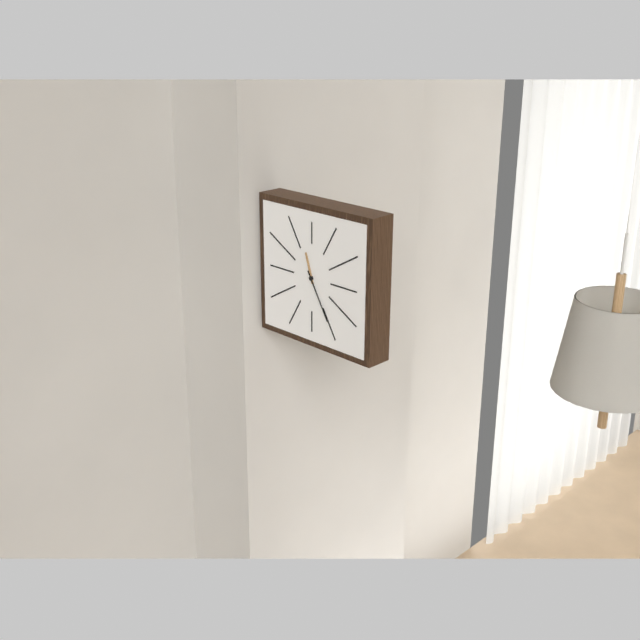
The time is 11h25
